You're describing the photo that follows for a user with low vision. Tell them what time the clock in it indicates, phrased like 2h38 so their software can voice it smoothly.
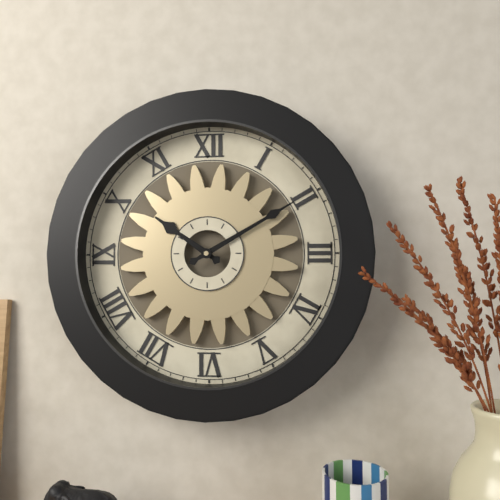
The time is 10h10
